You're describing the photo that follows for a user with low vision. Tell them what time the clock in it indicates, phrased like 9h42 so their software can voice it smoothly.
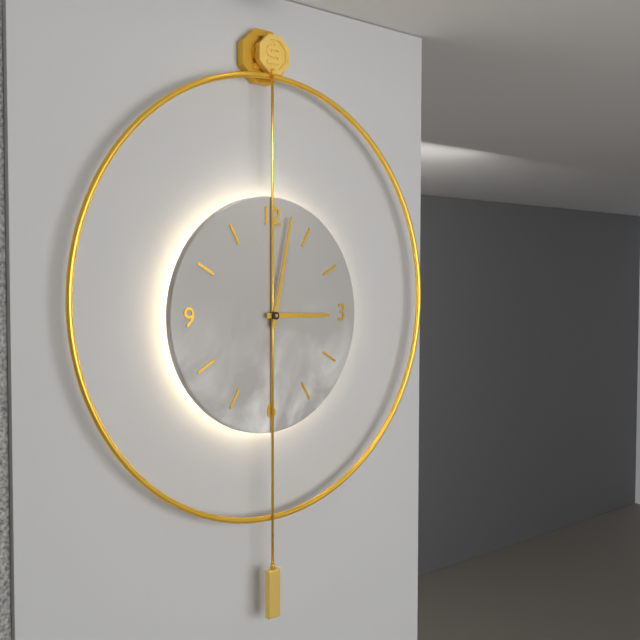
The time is 3h02
